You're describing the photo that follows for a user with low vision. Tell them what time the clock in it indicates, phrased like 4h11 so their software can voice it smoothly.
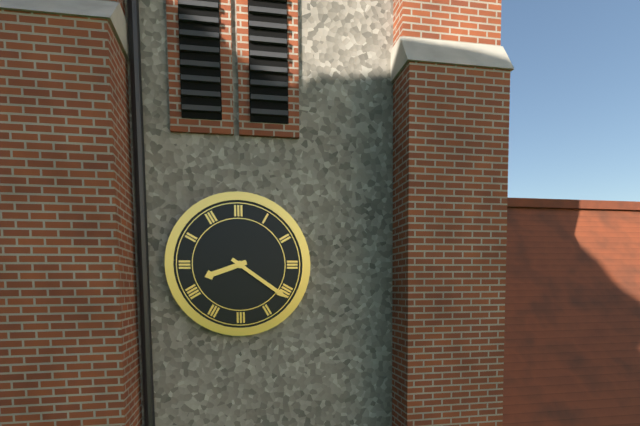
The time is 8h21
